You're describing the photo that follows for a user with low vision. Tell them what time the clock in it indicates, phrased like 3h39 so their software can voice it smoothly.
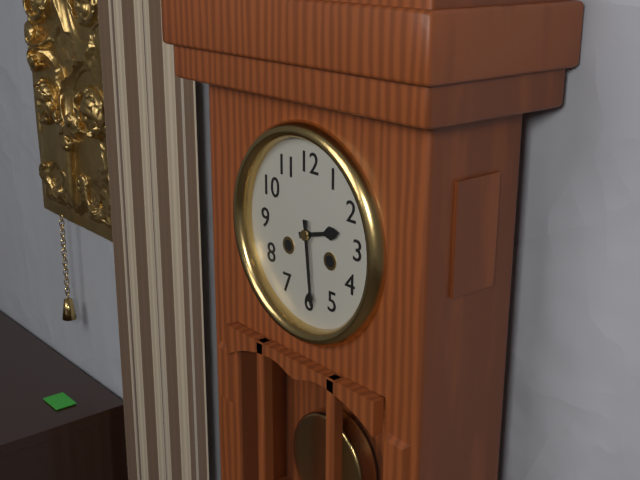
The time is 2h29
